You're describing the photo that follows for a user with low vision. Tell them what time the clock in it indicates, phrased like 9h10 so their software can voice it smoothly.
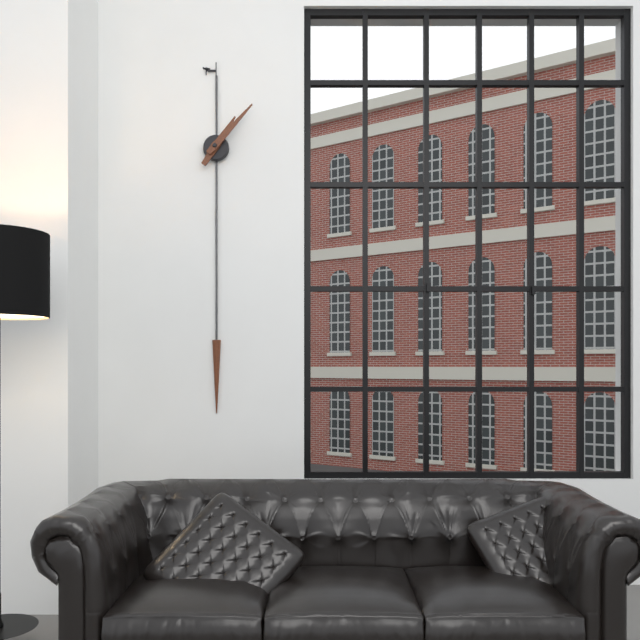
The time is 1h07
